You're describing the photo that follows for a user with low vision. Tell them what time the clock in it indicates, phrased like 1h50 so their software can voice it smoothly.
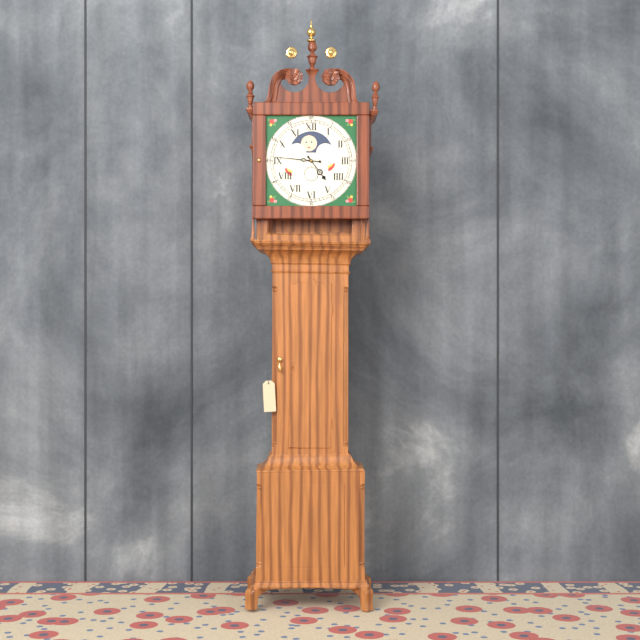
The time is 4h46
